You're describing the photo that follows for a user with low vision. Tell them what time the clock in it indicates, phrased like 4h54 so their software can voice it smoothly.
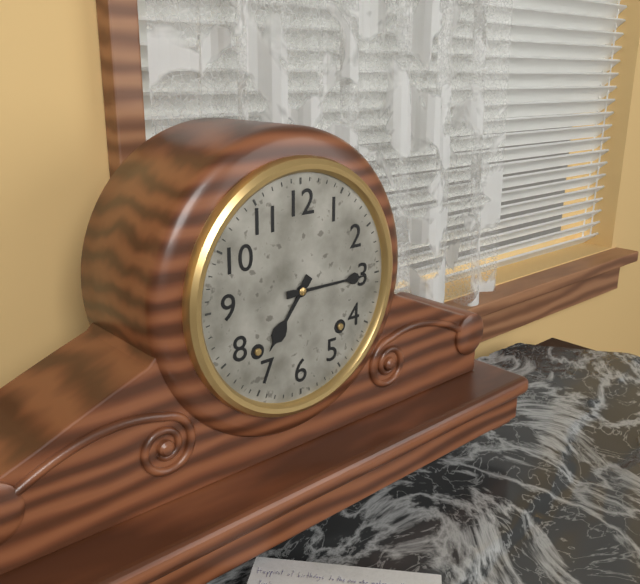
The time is 7h15
